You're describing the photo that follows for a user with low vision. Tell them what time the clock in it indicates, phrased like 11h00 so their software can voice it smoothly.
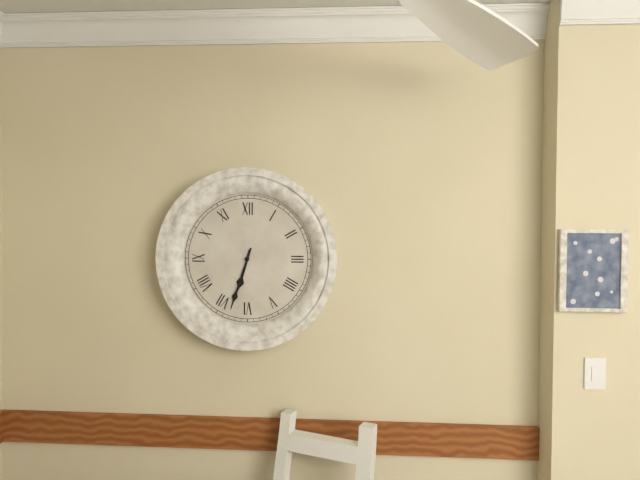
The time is 6h33
